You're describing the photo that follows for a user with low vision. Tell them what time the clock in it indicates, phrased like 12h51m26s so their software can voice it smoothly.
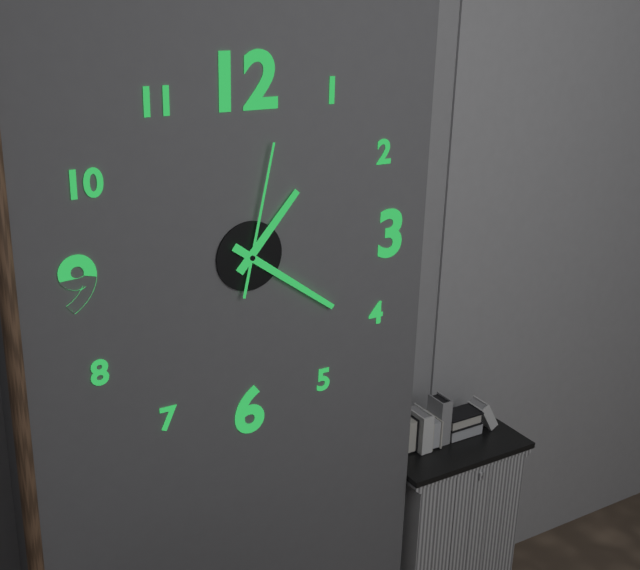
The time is 1h21m02s
